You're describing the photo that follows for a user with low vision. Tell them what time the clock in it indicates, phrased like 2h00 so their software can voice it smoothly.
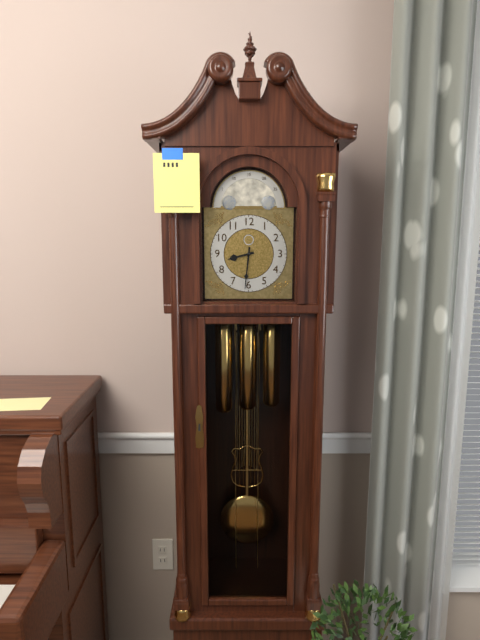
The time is 8h31
